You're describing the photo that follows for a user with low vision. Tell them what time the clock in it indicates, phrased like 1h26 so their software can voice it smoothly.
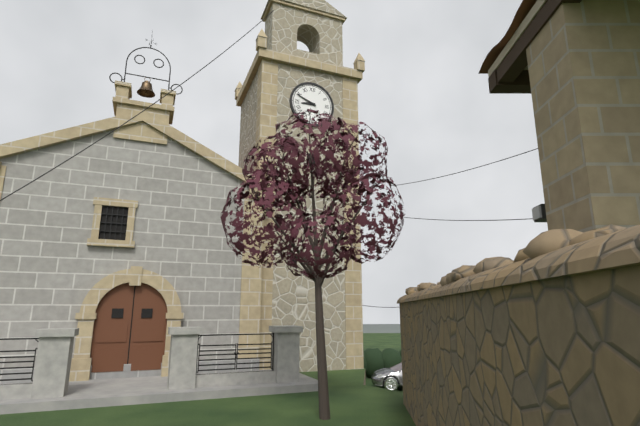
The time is 8h49
